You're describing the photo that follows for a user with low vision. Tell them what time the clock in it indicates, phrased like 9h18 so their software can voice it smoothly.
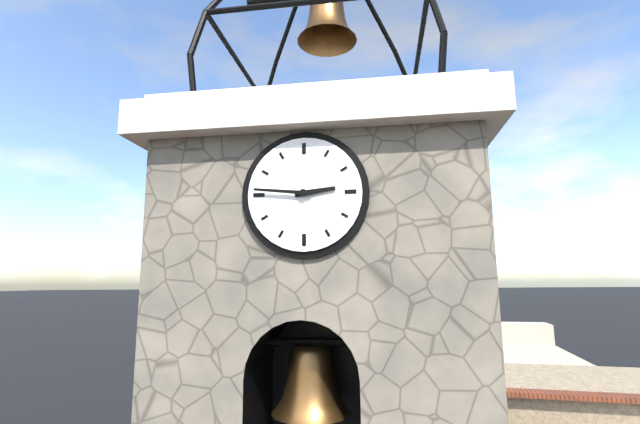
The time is 2h46
